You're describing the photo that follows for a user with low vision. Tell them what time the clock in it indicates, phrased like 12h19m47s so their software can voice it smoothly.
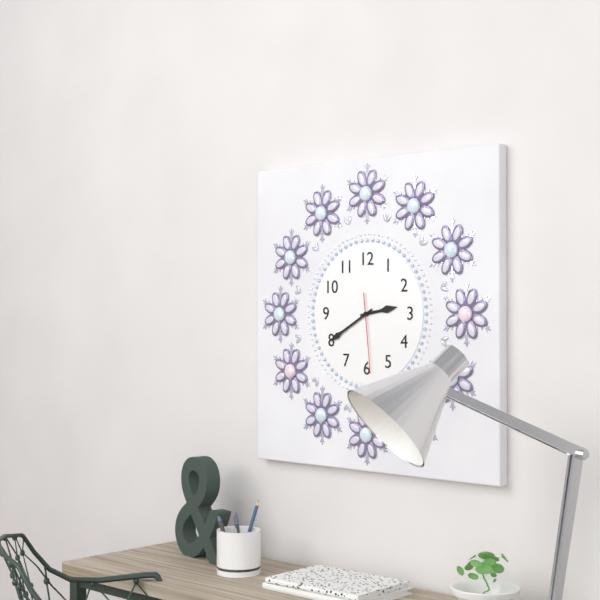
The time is 2h40m29s
